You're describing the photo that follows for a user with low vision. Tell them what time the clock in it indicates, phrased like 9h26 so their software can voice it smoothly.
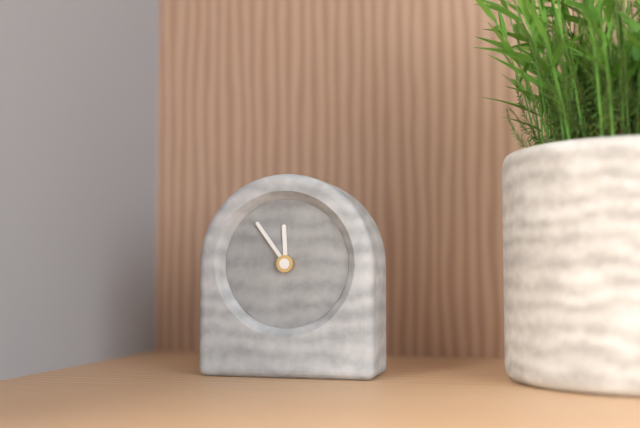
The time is 11h54
